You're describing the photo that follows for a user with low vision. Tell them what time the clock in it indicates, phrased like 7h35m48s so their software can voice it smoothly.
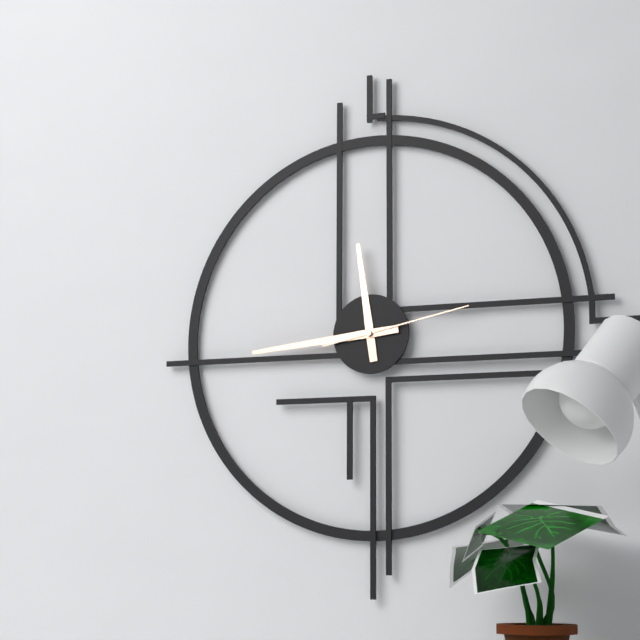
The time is 11h44m13s
